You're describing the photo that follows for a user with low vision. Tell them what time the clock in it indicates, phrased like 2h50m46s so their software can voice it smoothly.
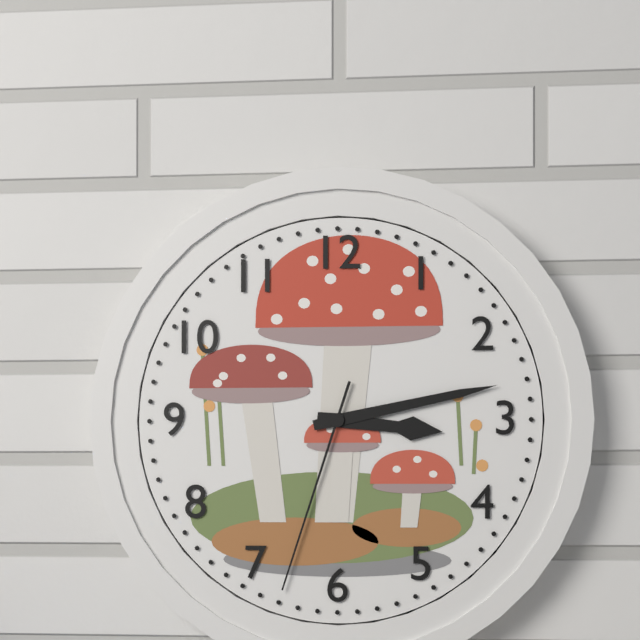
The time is 3h13m33s
